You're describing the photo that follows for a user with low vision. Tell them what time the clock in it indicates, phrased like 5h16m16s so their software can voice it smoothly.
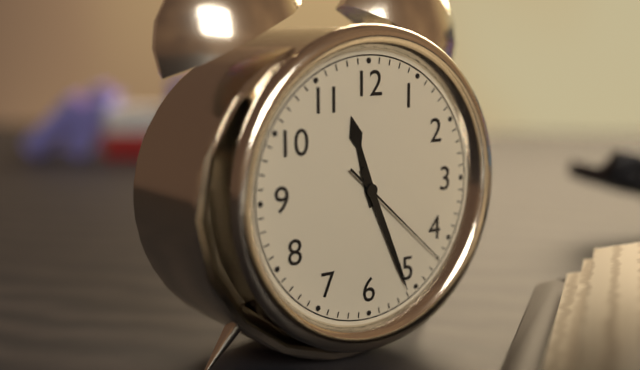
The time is 11h26m22s
